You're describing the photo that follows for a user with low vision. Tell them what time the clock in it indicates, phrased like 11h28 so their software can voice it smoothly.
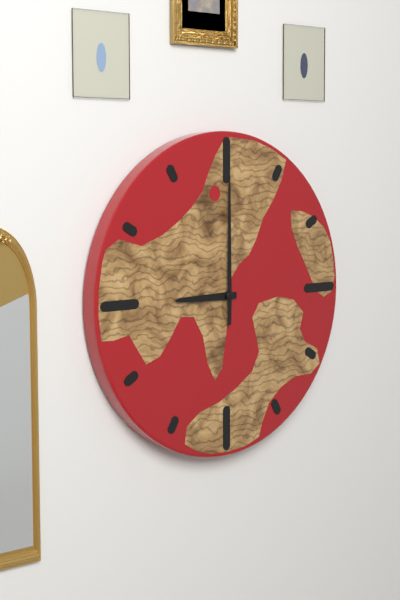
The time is 9h00
